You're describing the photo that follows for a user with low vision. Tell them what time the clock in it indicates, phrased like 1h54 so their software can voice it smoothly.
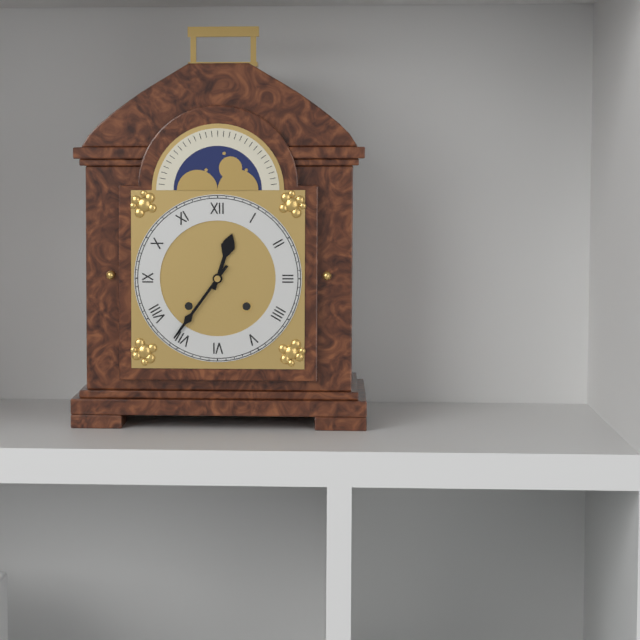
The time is 12h36
